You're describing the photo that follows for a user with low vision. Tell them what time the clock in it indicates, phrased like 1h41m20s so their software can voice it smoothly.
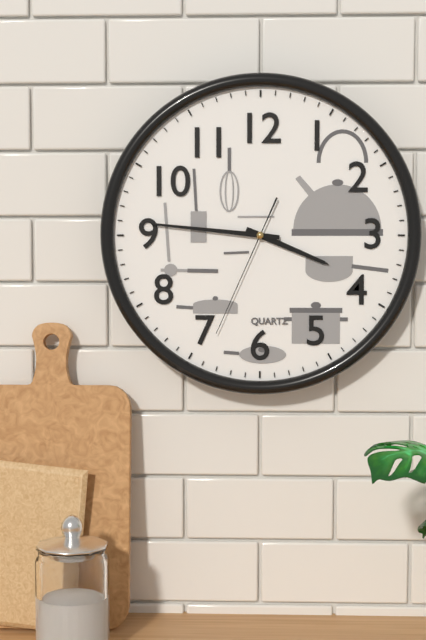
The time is 3h46m34s
